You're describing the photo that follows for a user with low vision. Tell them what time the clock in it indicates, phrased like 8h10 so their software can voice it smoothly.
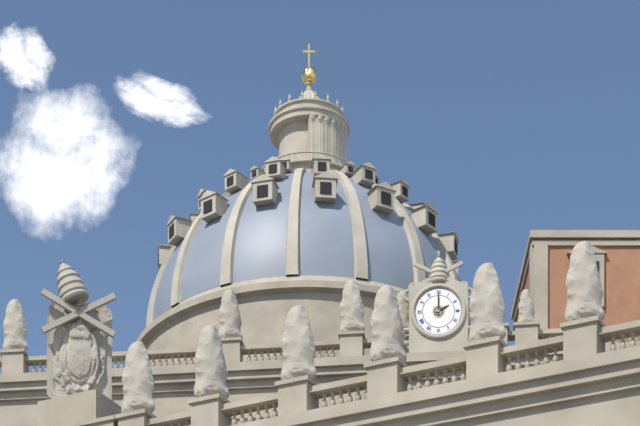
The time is 2h00
